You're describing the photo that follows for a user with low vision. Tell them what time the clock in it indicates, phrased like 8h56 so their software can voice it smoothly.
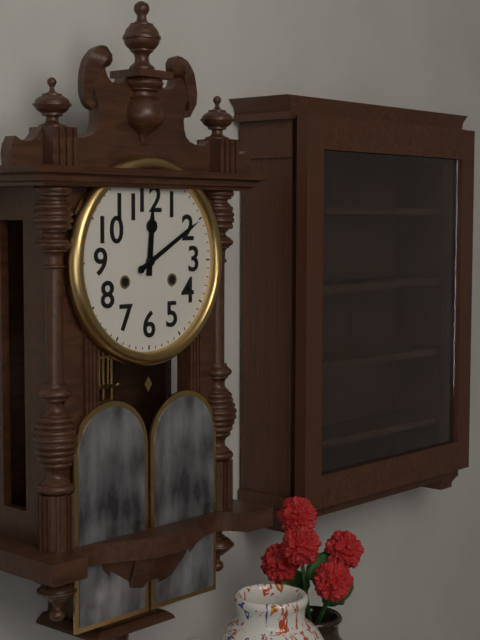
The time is 12h10
